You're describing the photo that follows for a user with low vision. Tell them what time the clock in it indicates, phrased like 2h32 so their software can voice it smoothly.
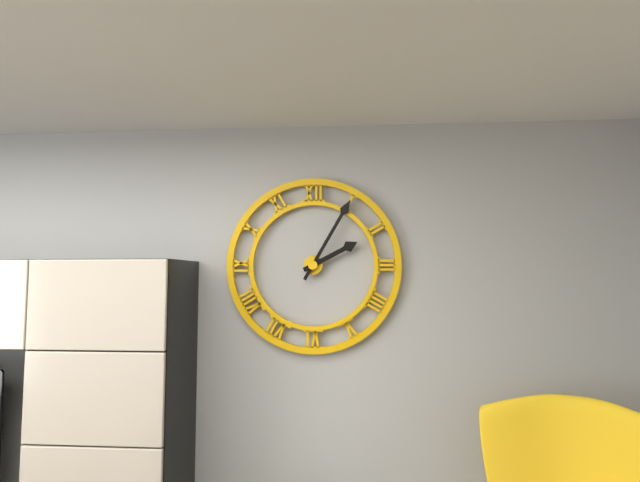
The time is 2h05
